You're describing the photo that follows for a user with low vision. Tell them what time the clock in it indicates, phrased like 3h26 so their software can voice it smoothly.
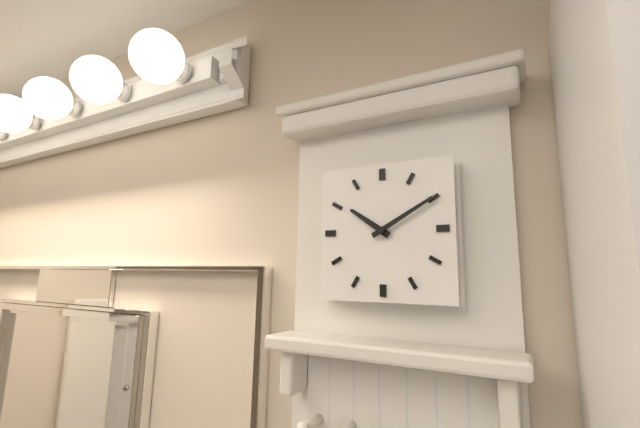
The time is 10h10
